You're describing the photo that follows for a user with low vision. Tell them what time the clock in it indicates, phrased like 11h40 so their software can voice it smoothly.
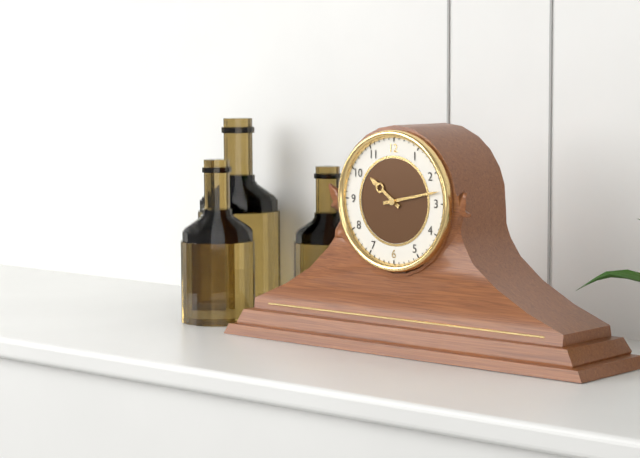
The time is 10h13
